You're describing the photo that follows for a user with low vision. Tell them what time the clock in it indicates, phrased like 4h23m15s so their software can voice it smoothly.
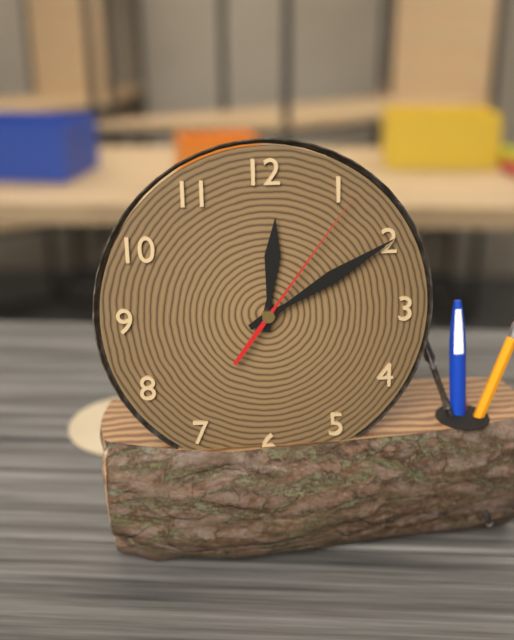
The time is 12h10m06s
